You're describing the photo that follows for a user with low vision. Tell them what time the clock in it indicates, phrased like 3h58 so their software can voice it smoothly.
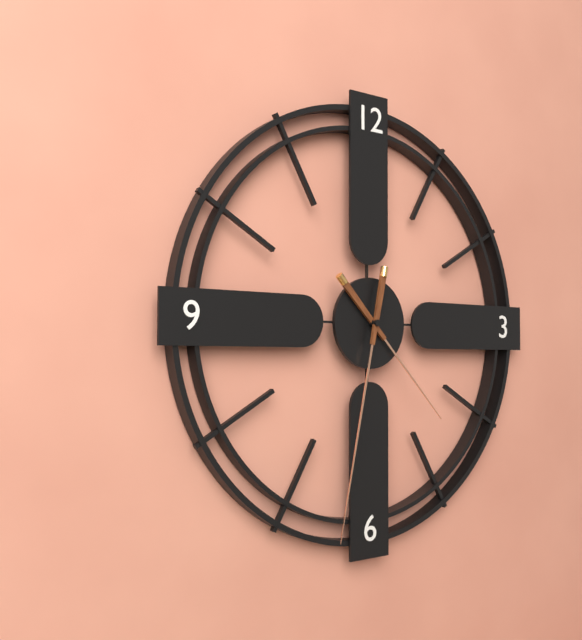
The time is 4h32
